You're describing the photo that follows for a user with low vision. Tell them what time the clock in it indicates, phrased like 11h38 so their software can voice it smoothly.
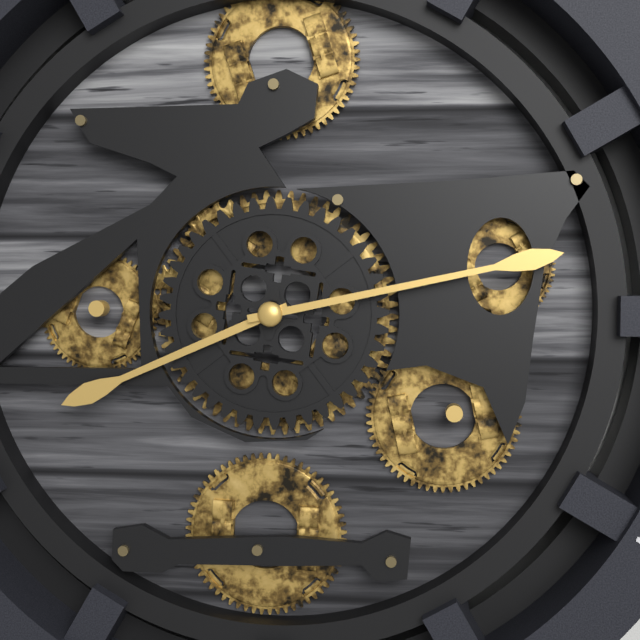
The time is 8h13
